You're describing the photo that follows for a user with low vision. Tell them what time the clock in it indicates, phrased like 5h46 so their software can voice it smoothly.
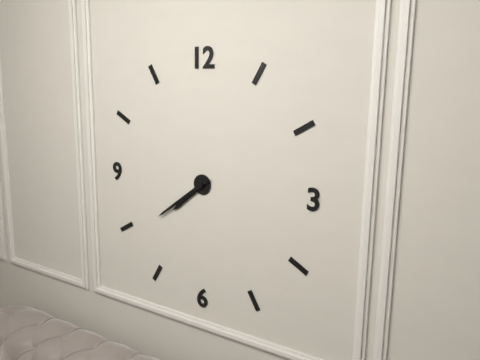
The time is 7h39
